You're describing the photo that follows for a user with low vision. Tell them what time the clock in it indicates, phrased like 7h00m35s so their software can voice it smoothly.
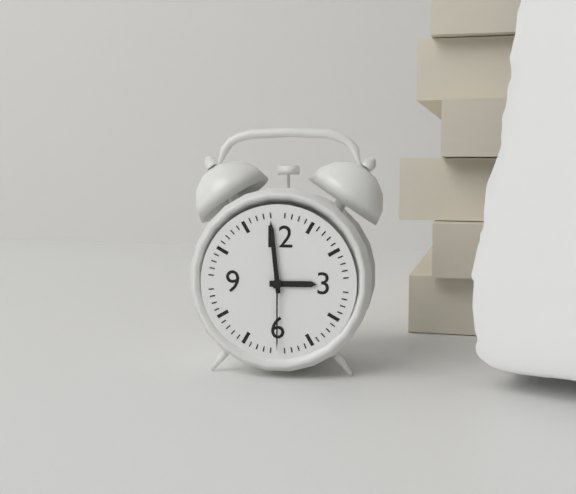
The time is 2h59m30s
